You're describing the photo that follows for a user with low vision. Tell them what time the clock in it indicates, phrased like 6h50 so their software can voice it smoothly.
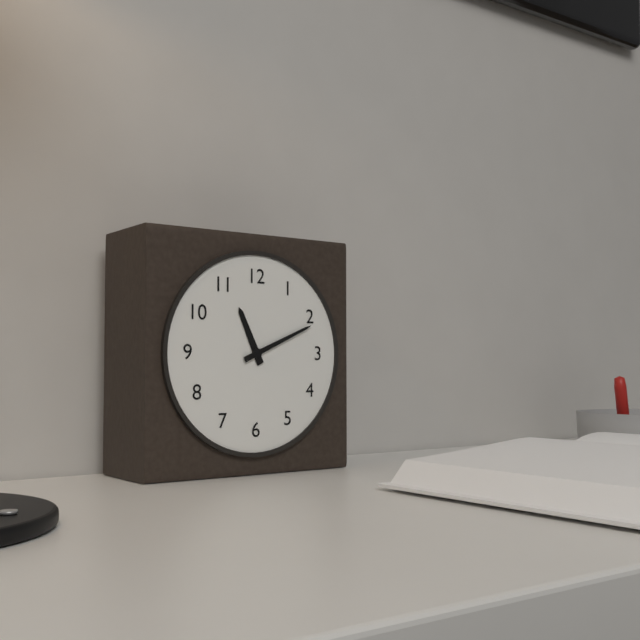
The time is 11h11
